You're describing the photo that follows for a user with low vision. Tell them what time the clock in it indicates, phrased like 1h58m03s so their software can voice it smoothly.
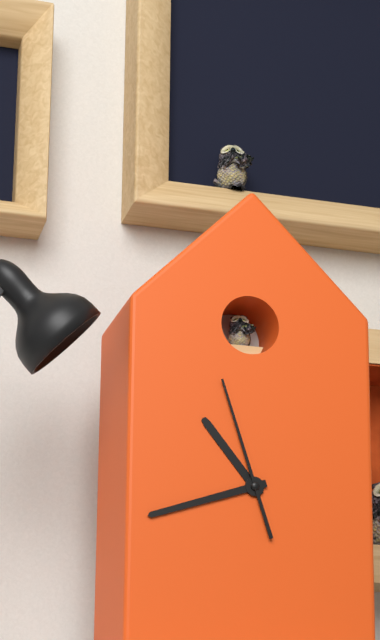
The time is 10h42m57s
